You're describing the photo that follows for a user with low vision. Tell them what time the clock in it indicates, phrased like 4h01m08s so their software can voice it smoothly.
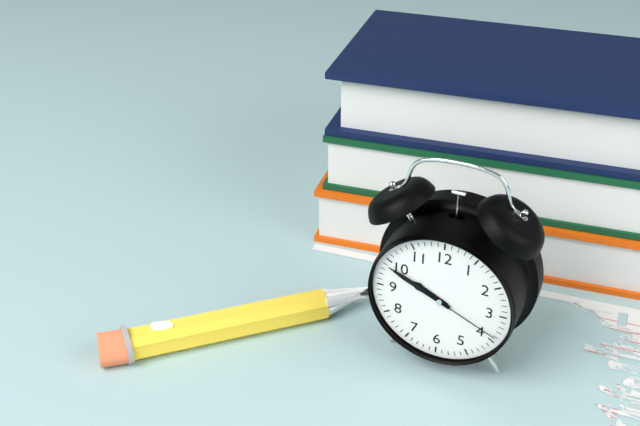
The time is 9h49m19s
